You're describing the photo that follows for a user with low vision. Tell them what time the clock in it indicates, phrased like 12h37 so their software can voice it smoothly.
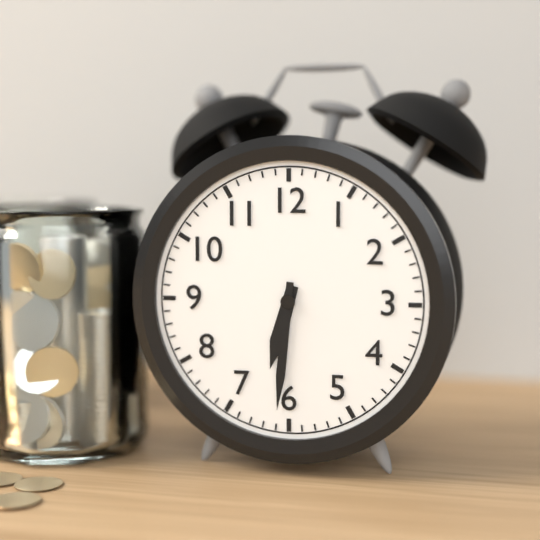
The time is 6h31
